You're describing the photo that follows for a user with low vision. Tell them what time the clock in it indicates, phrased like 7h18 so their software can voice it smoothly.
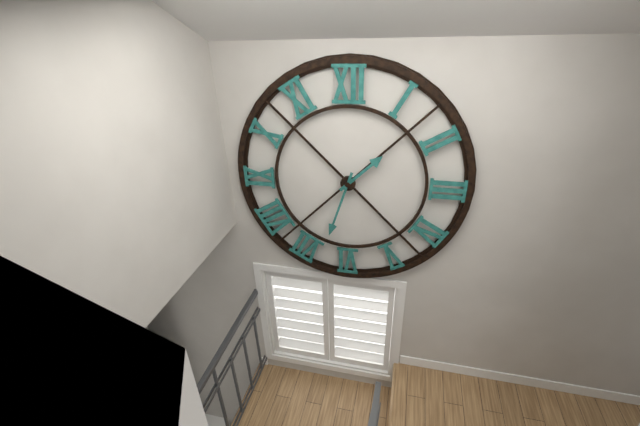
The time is 1h33
